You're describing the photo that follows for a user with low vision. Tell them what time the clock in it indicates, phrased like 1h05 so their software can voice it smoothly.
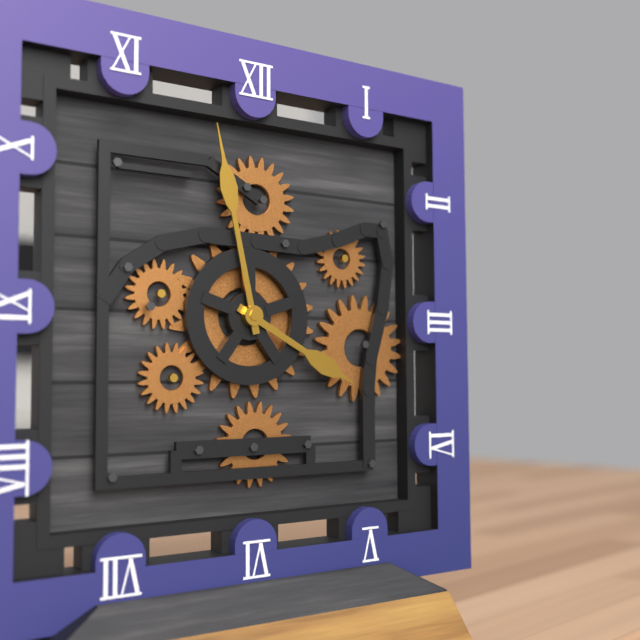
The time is 3h58
